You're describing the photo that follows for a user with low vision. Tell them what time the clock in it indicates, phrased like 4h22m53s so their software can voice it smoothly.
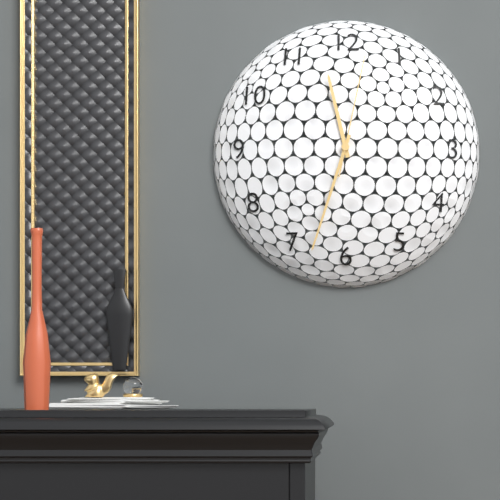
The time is 11h33m02s
